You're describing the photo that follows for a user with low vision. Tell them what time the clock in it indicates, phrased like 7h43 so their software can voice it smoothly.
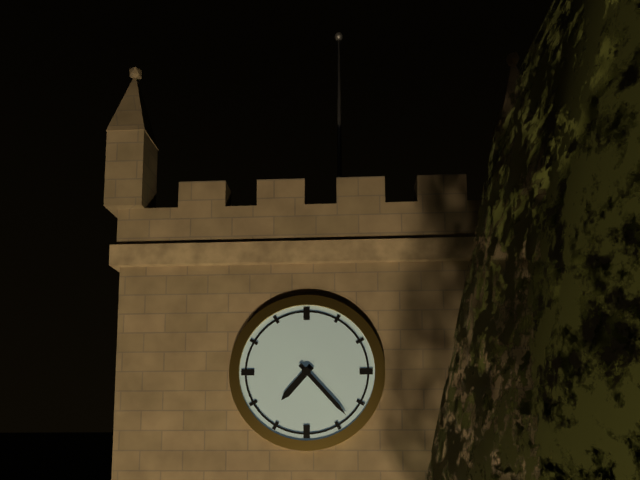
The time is 7h23
